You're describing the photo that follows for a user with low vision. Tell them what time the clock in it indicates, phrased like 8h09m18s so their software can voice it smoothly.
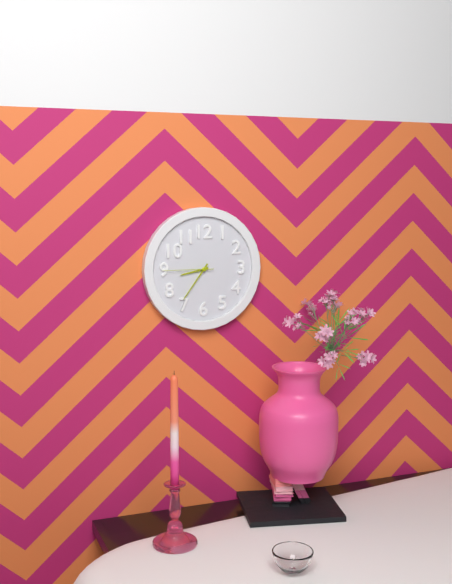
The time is 8h36m45s
